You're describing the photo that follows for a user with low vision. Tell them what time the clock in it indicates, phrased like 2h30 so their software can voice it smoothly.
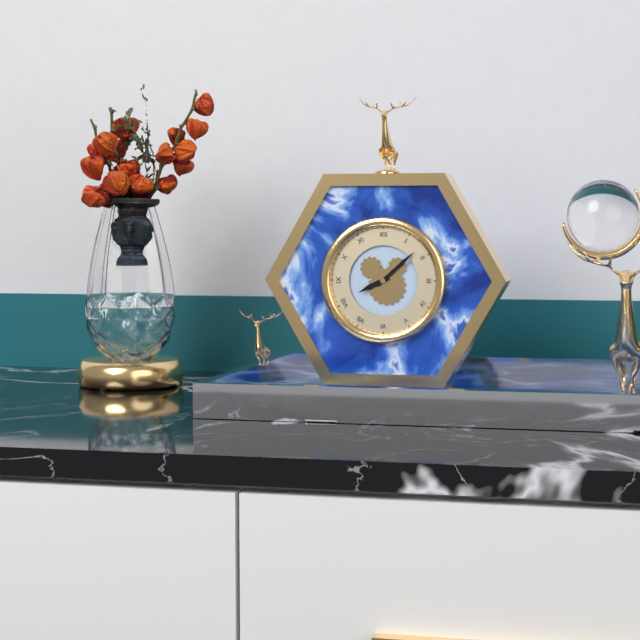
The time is 8h08
